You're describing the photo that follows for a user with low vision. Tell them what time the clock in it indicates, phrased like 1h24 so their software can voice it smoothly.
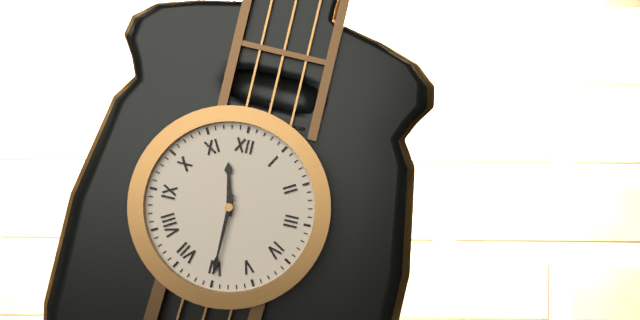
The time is 11h30
